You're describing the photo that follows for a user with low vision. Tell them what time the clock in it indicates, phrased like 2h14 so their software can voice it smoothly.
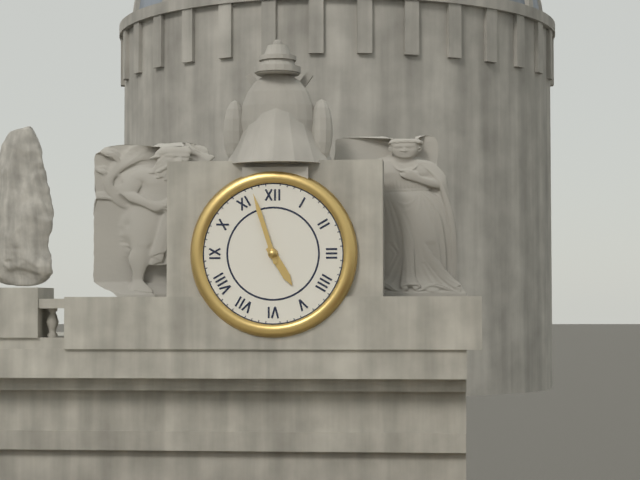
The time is 4h57
